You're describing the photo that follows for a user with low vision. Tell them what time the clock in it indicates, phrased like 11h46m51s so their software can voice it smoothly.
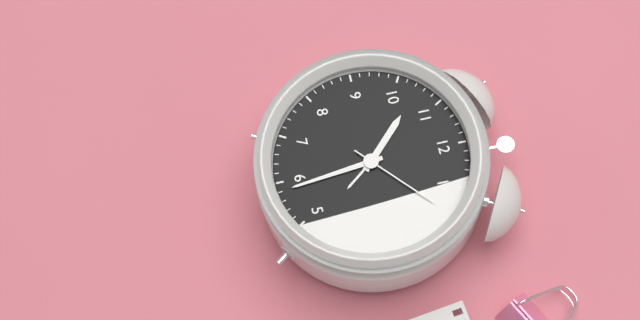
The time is 10h29m08s
